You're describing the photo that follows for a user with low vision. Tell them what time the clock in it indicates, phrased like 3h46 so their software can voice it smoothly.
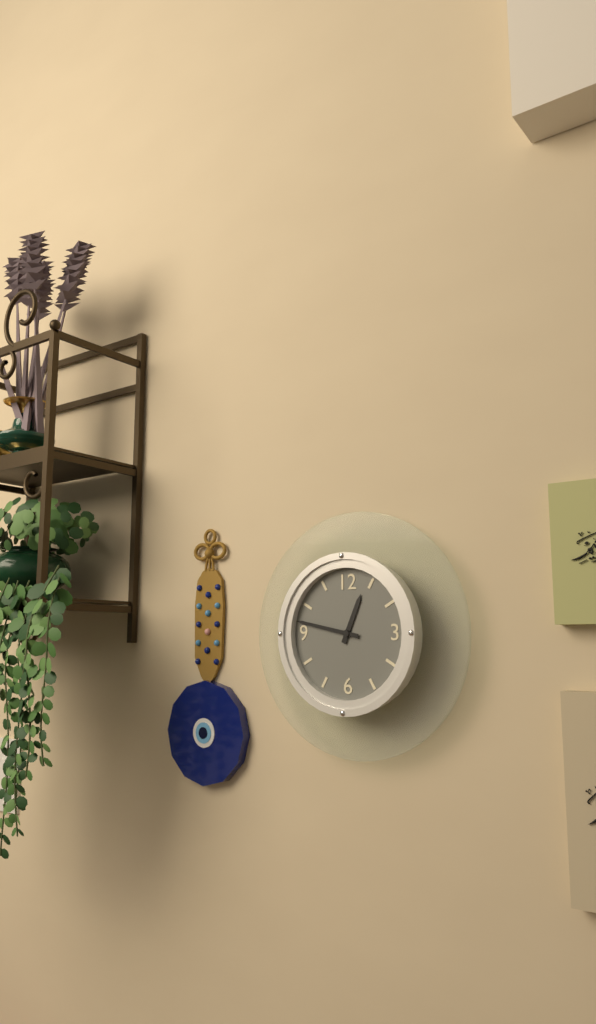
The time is 12h47
